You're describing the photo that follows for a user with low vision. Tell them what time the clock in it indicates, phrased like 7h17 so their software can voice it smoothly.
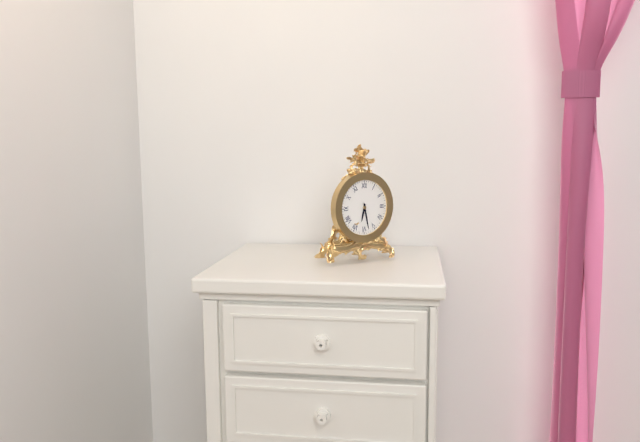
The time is 6h28
